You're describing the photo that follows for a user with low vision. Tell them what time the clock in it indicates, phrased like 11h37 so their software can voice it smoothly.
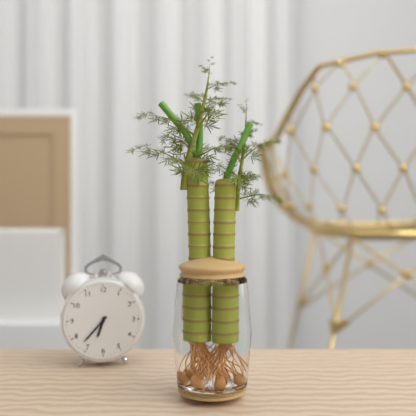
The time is 6h37
